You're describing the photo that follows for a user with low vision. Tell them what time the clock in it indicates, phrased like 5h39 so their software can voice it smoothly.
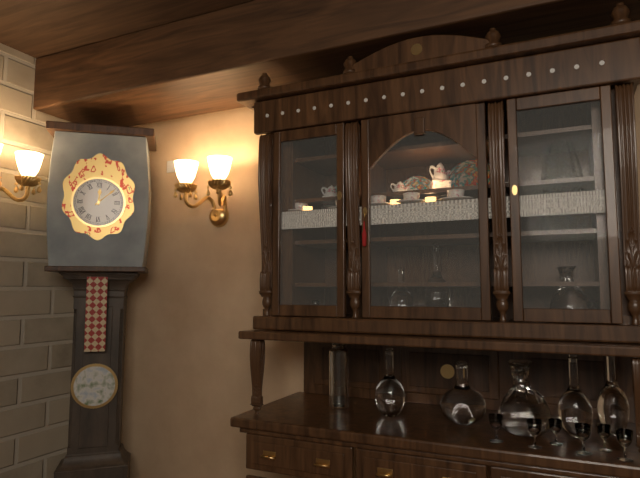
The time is 12h08
